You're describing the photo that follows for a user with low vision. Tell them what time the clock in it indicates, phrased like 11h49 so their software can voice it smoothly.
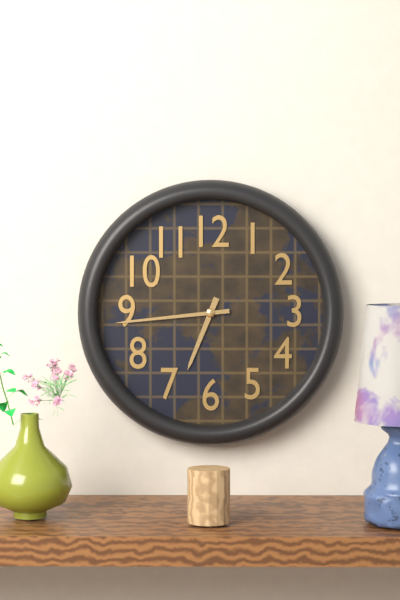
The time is 6h44
